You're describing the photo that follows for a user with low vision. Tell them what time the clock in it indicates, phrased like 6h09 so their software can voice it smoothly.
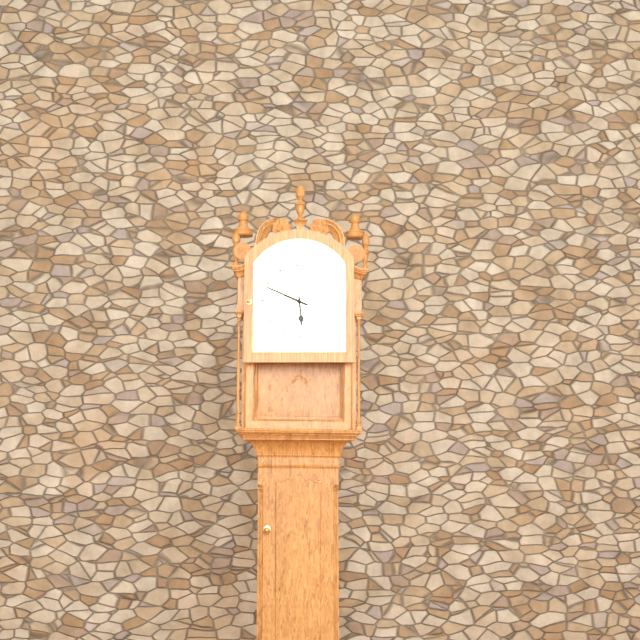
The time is 5h49
